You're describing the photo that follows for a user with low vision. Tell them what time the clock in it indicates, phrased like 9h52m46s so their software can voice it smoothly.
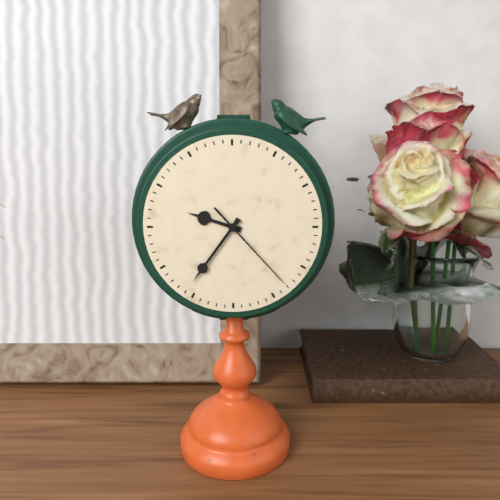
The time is 9h36m23s
